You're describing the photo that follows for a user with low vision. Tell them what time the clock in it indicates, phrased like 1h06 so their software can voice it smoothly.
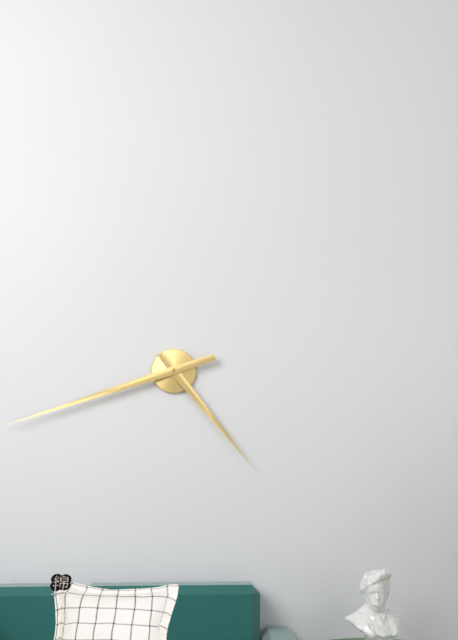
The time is 4h42
